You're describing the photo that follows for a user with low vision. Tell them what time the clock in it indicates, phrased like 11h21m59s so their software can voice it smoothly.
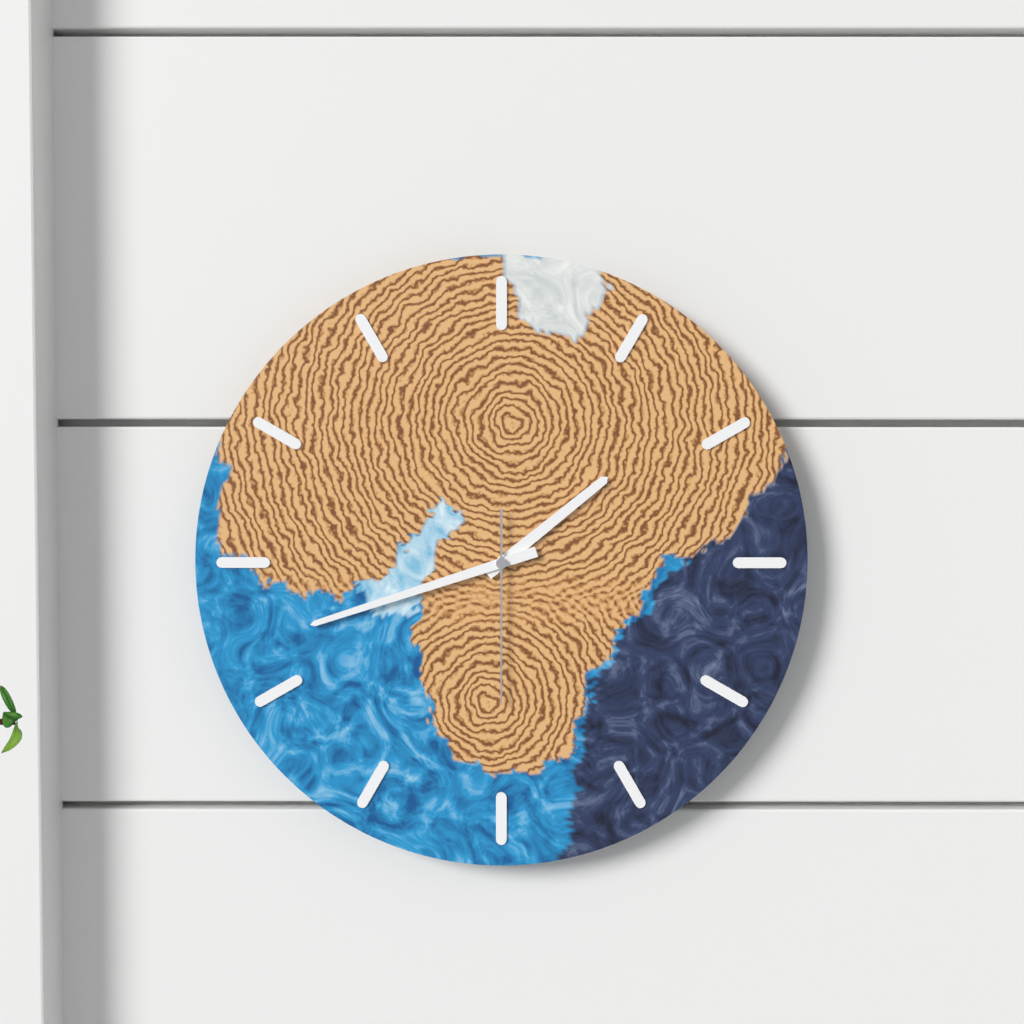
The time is 1h42m30s
